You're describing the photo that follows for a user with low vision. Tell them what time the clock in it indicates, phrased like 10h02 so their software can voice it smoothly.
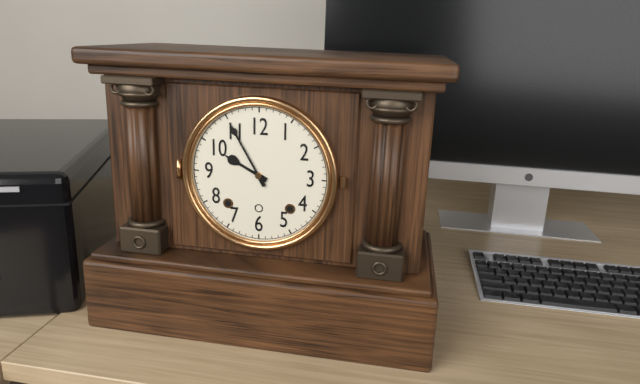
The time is 9h55
